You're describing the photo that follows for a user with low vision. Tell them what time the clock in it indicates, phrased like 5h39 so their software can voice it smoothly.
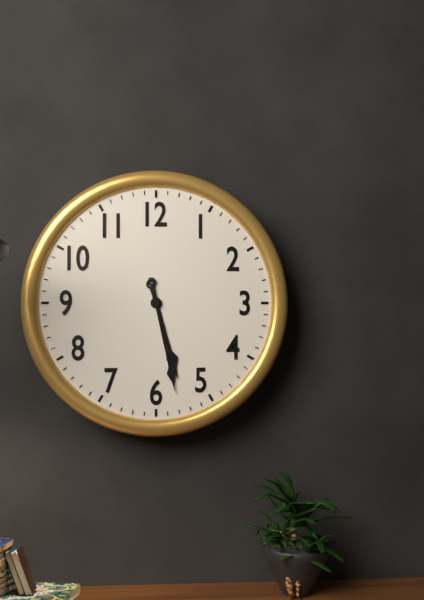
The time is 5h28
